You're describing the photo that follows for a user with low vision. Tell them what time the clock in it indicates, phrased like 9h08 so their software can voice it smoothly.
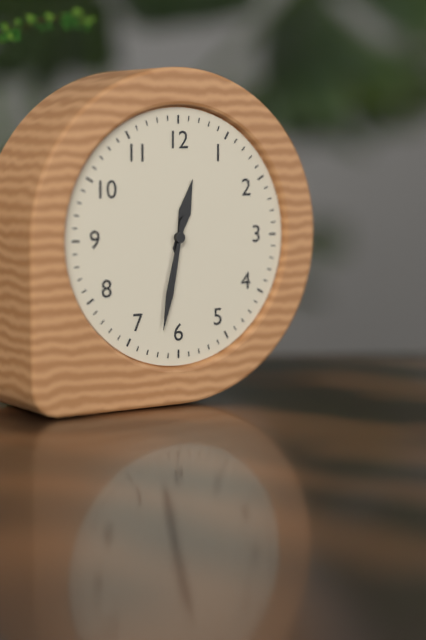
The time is 12h32
